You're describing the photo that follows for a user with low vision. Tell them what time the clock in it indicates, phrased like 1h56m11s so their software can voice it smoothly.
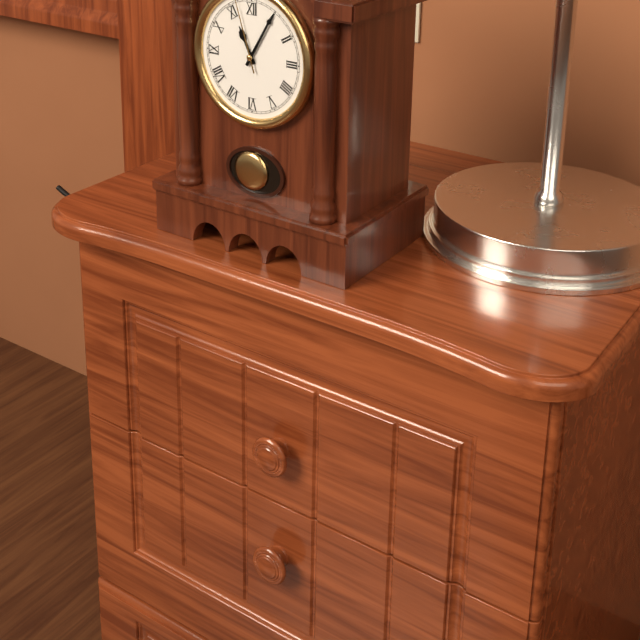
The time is 11h05m57s
